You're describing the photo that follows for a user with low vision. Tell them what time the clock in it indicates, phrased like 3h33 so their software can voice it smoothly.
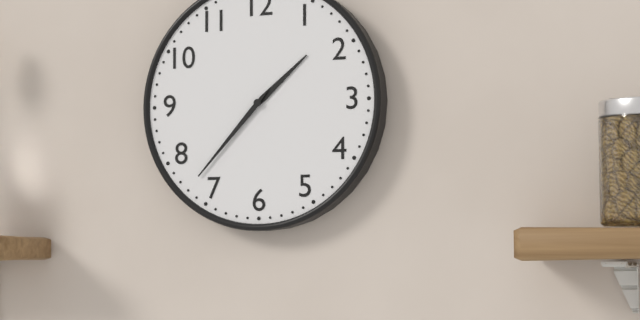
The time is 1h37
